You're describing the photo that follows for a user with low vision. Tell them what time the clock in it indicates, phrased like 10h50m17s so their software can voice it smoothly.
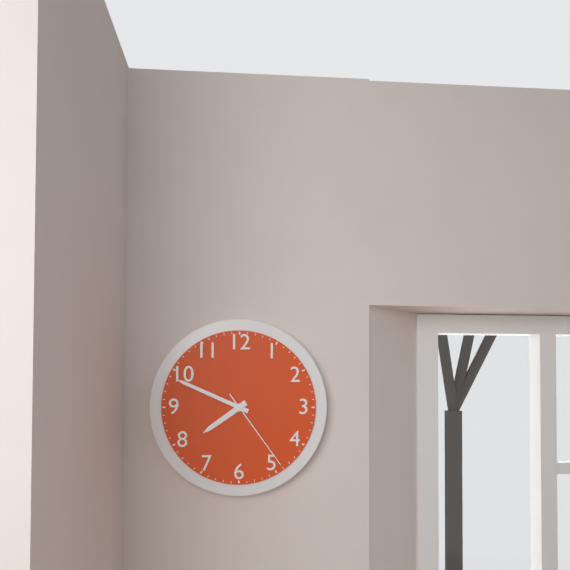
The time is 7h49m24s
